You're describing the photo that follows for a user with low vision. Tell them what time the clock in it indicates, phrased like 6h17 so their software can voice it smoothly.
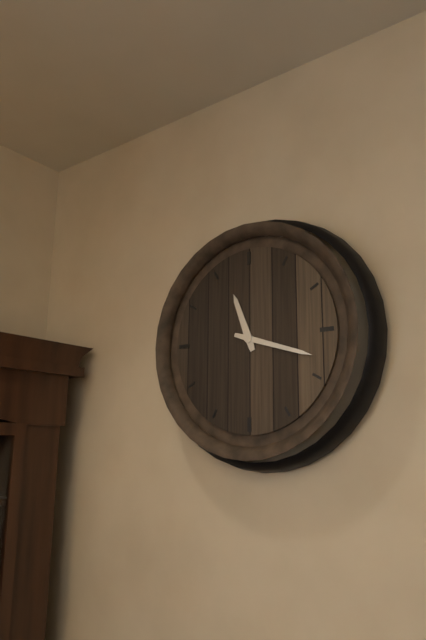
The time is 11h18
